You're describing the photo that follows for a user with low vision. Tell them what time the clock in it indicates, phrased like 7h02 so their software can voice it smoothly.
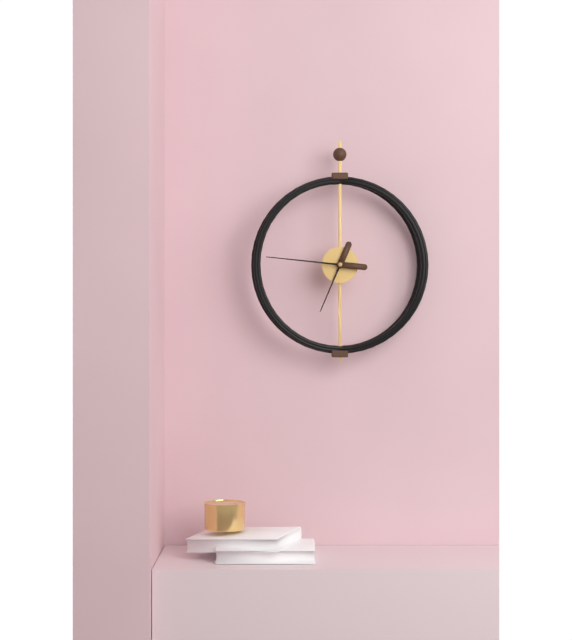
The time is 6h46
